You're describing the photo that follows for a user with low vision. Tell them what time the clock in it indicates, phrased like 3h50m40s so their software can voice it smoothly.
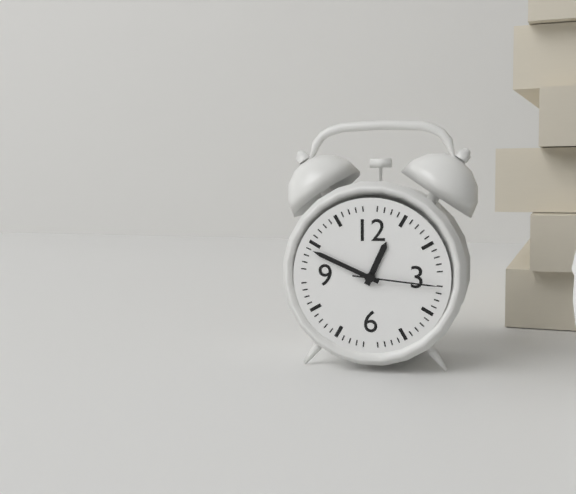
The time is 12h49m16s
